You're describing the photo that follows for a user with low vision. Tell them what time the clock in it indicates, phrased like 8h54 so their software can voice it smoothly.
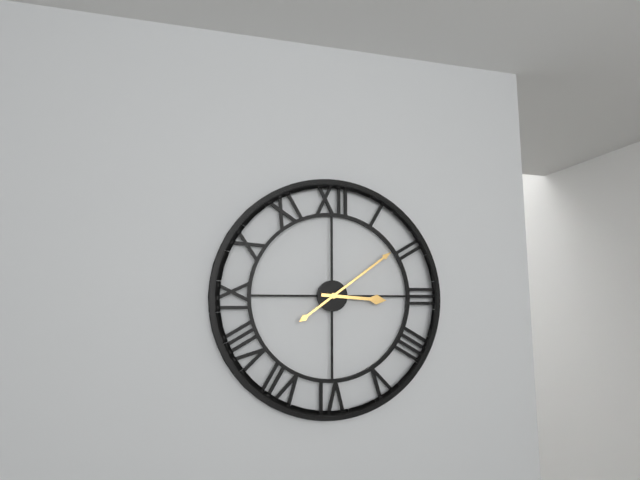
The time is 3h09
